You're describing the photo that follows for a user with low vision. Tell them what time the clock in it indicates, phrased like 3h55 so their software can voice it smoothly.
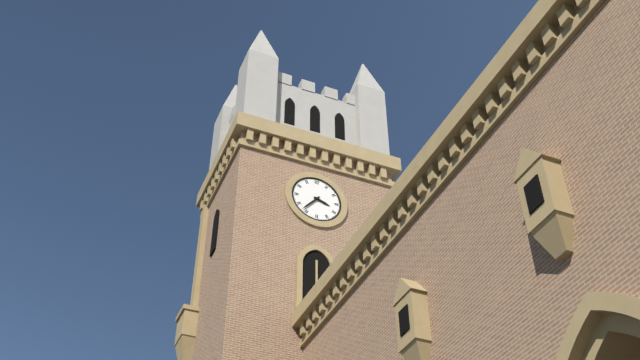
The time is 3h37
